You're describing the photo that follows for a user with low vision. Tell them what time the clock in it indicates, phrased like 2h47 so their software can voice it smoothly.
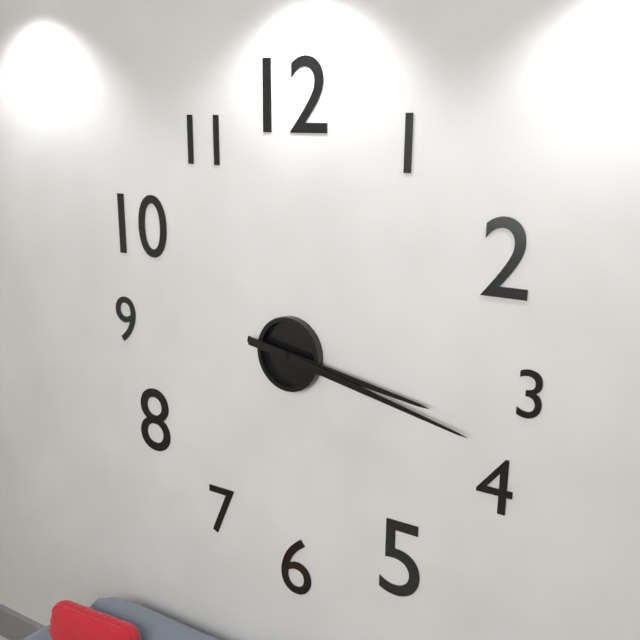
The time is 3h17
